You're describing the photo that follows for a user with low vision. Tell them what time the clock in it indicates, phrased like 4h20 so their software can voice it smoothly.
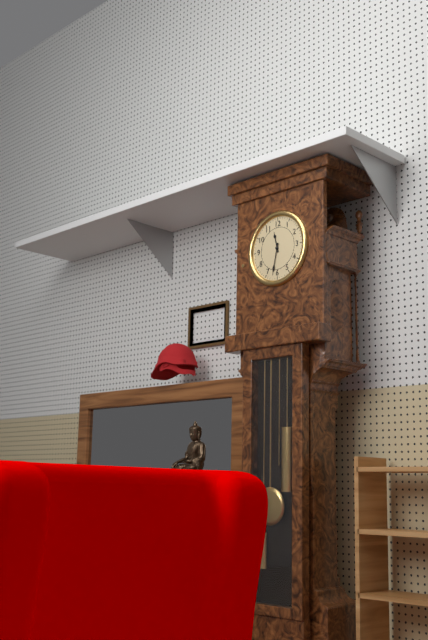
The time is 11h32
